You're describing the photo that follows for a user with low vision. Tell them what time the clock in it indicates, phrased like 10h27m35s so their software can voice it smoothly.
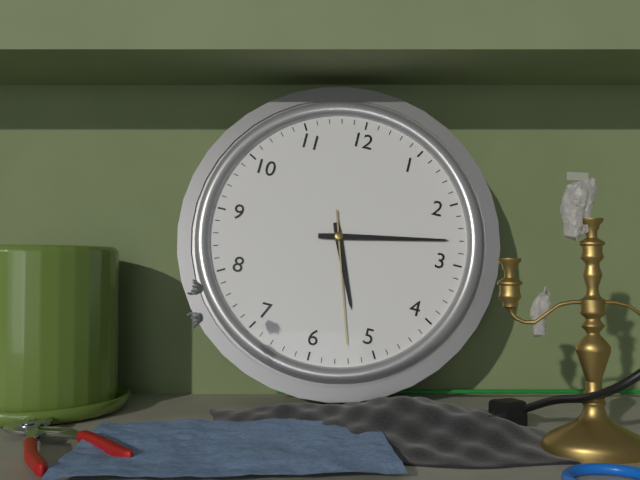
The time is 5h13m27s
